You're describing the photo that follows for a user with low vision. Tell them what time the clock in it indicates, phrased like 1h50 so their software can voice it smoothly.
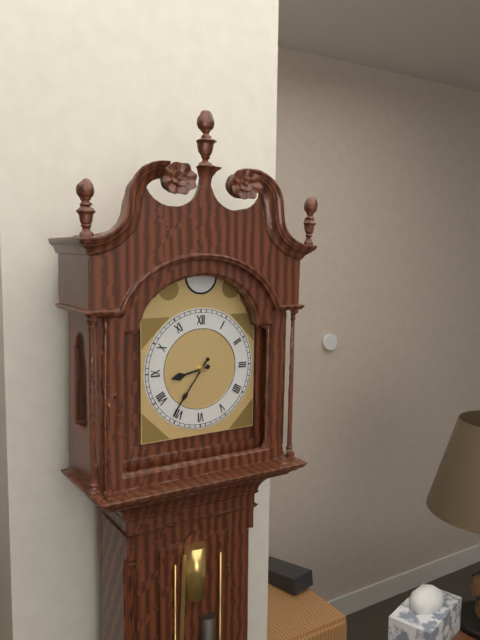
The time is 8h36
